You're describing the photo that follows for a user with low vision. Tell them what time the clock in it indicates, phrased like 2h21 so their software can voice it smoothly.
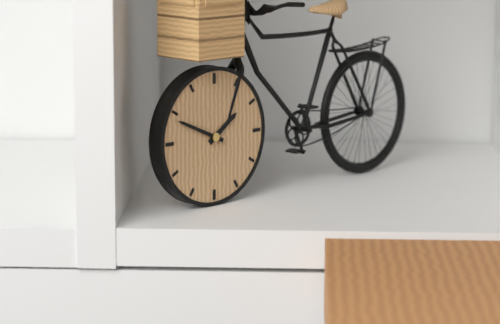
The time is 1h49
